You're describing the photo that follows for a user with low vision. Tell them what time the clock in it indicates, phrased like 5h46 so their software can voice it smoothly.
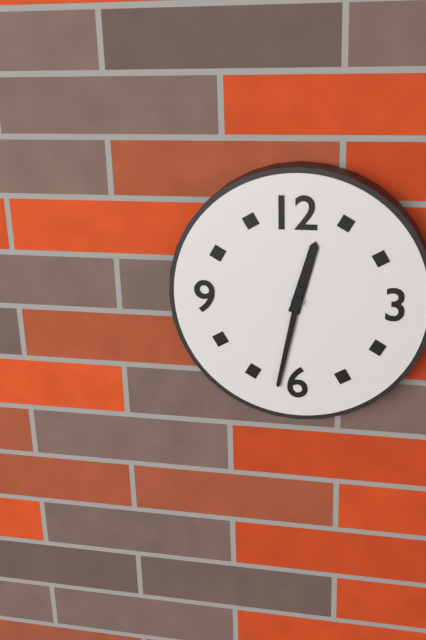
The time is 12h32
